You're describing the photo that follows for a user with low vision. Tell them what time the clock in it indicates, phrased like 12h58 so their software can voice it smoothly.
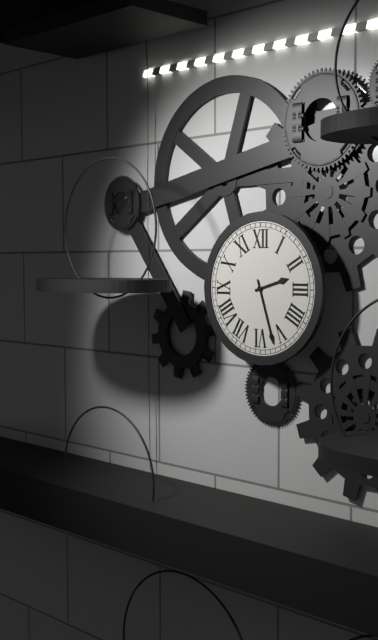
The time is 2h27
